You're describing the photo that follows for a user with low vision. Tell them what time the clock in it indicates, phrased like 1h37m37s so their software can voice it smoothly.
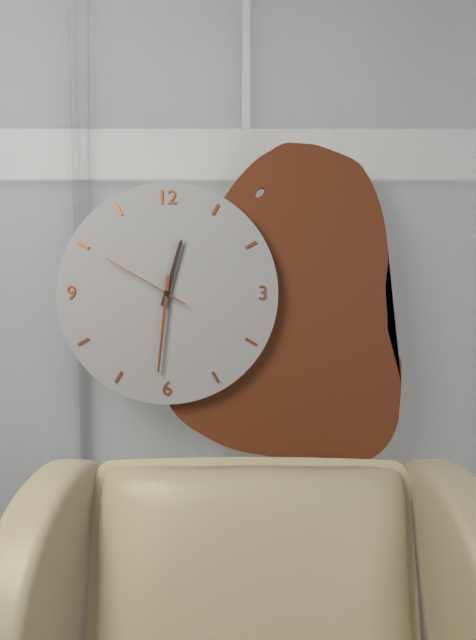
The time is 12h31m50s
